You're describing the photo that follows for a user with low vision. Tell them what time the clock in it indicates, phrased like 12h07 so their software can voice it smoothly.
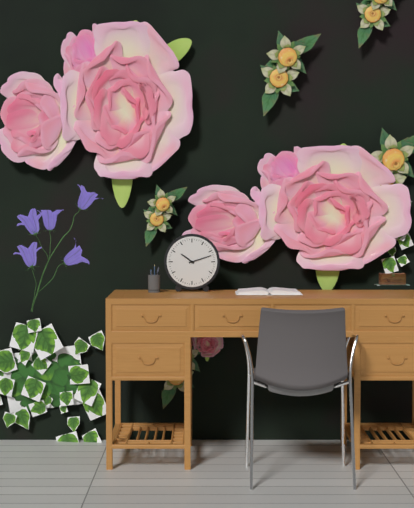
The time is 10h12
